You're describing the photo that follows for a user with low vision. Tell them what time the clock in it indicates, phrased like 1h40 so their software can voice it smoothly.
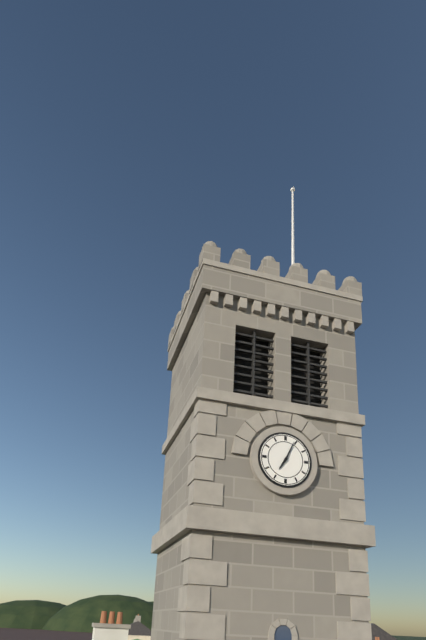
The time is 7h04
